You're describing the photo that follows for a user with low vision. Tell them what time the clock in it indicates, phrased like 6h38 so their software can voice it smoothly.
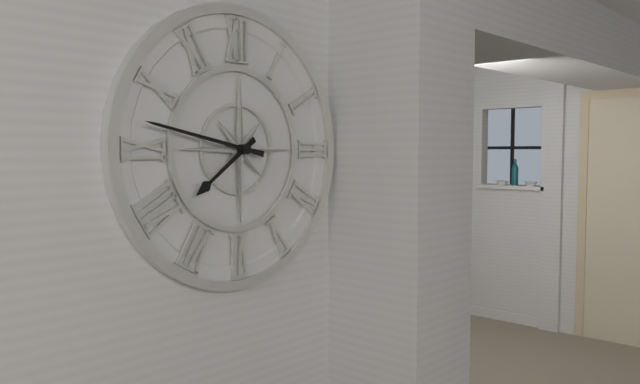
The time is 7h47
